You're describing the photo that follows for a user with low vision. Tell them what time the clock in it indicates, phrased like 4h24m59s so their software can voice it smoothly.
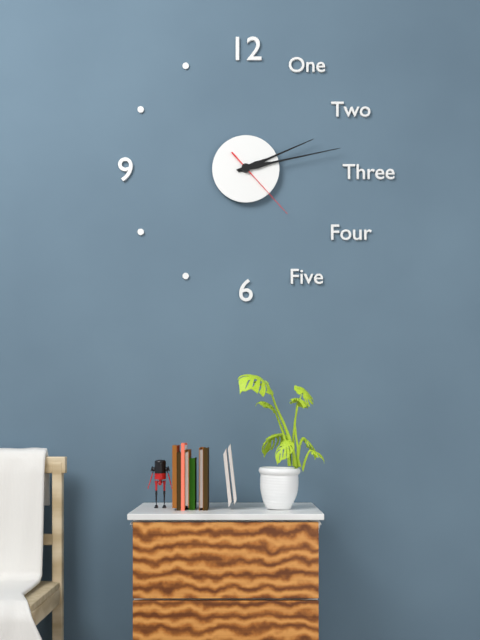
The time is 2h13m23s
